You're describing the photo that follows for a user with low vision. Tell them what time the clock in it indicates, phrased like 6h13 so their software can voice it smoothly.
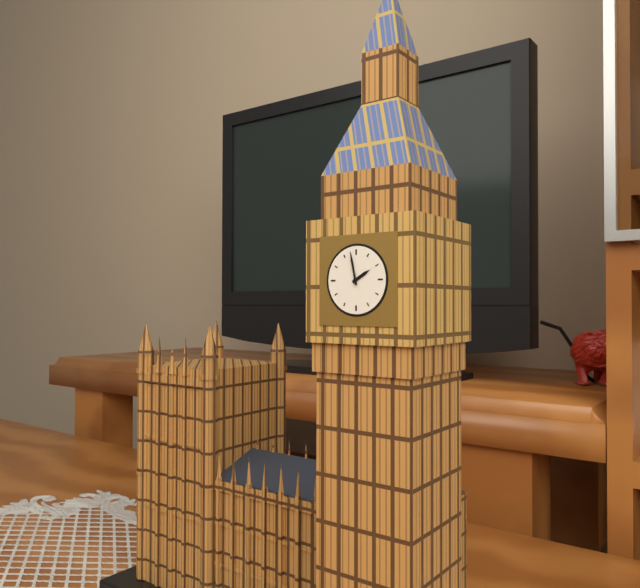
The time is 1h58
